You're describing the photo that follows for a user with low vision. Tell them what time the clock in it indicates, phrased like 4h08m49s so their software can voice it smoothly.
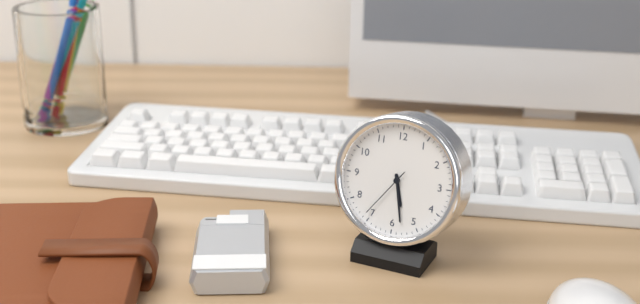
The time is 5h28m36s
